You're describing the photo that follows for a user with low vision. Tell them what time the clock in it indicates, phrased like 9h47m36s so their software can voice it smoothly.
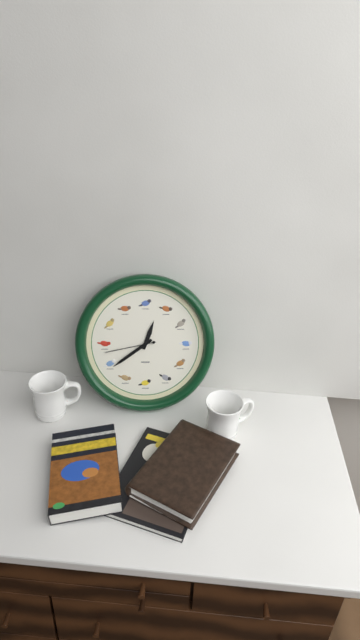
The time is 12h39m43s
